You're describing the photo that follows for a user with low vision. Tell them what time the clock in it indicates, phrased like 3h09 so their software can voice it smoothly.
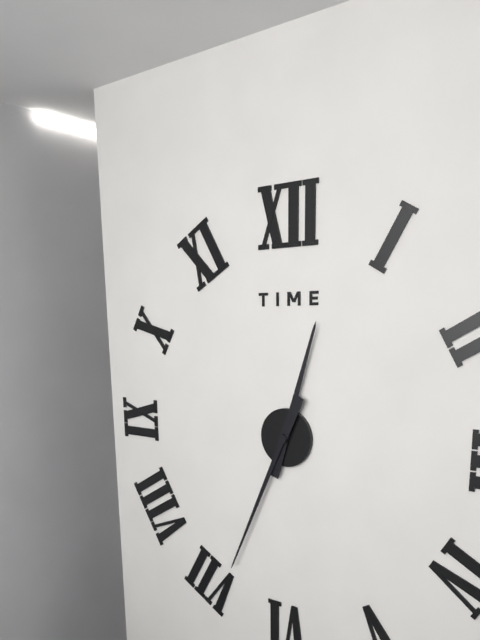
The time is 12h34
